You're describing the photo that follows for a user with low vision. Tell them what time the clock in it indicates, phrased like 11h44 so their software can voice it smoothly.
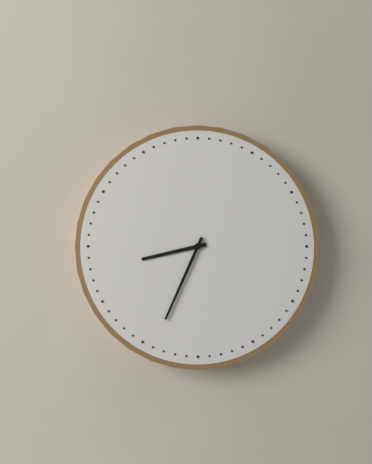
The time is 8h34
